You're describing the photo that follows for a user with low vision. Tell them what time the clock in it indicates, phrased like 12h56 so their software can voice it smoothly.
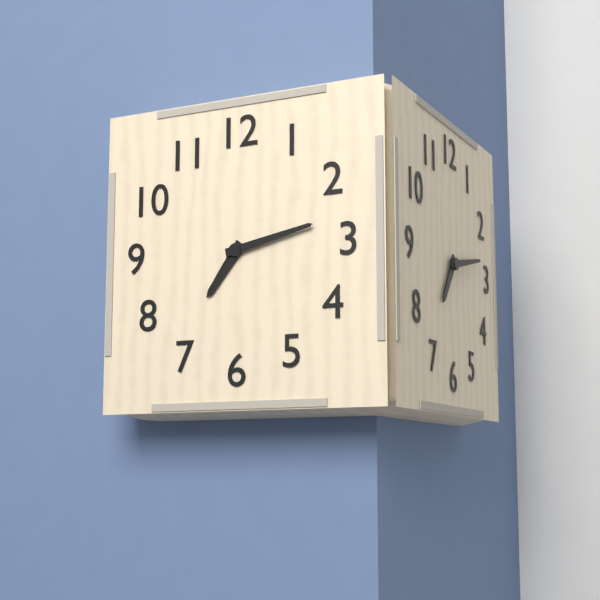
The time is 7h13
